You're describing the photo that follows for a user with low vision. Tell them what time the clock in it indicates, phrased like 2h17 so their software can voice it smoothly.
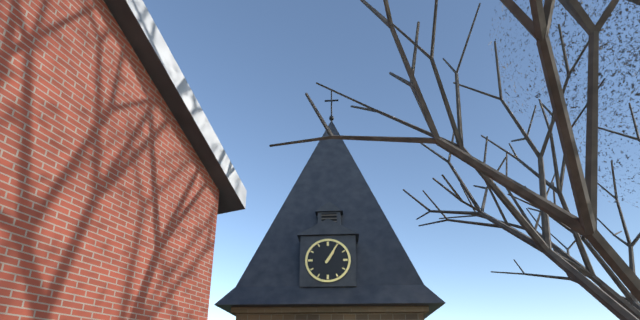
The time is 1h05
